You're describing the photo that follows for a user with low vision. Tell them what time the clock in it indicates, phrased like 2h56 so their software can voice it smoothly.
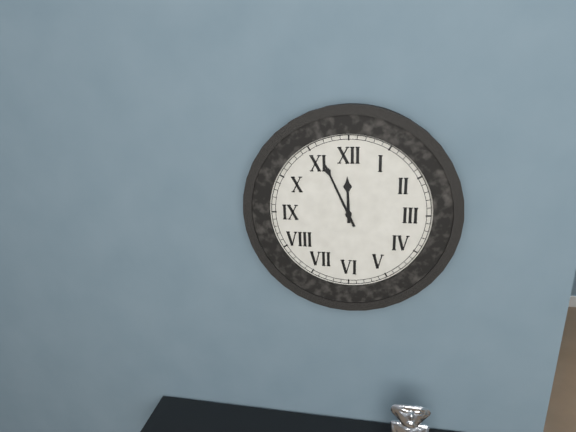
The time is 11h56
